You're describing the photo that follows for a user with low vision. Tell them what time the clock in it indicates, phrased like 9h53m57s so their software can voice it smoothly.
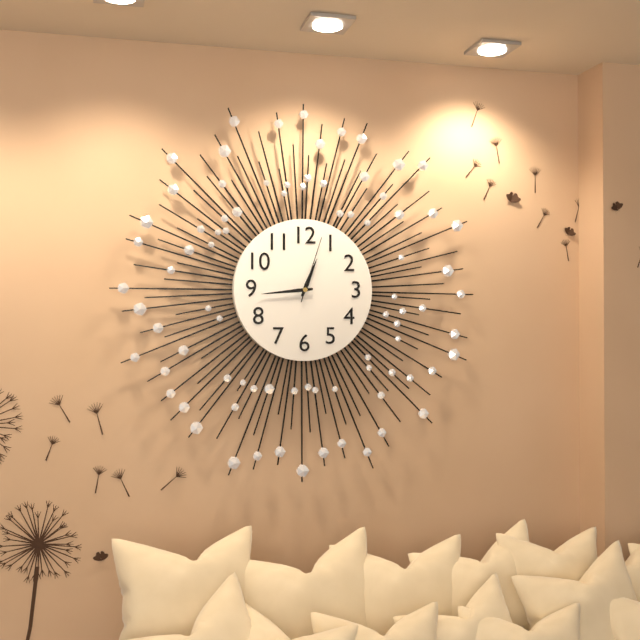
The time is 12h44m03s
